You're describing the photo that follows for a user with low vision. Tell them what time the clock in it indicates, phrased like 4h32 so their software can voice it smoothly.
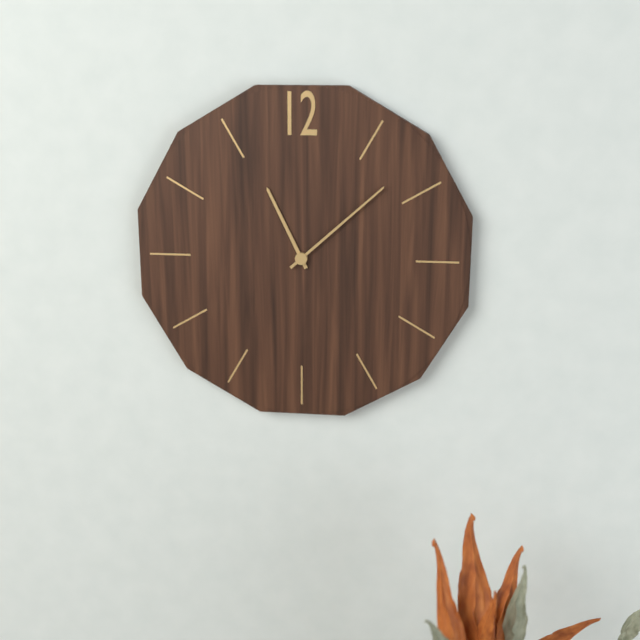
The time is 11h08
